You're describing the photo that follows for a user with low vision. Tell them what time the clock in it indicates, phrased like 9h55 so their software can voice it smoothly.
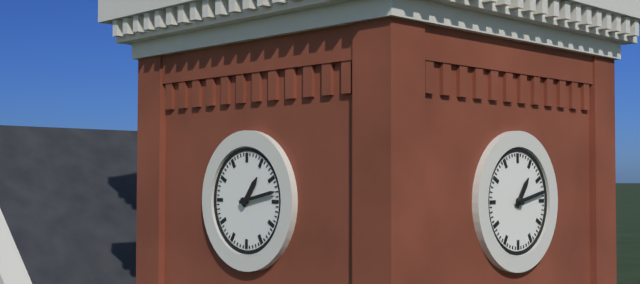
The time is 1h13
